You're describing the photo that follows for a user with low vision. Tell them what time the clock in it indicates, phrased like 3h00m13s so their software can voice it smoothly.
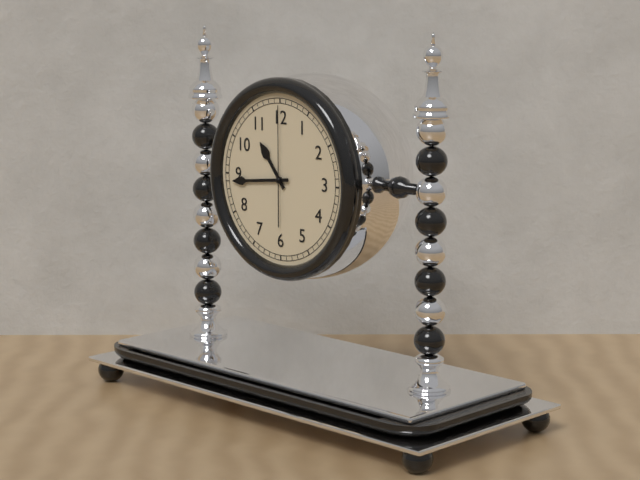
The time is 10h44m00s
